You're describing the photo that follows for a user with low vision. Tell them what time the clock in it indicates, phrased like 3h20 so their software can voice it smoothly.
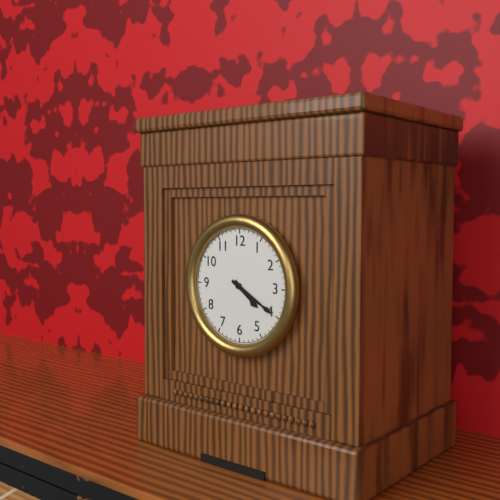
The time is 4h20
